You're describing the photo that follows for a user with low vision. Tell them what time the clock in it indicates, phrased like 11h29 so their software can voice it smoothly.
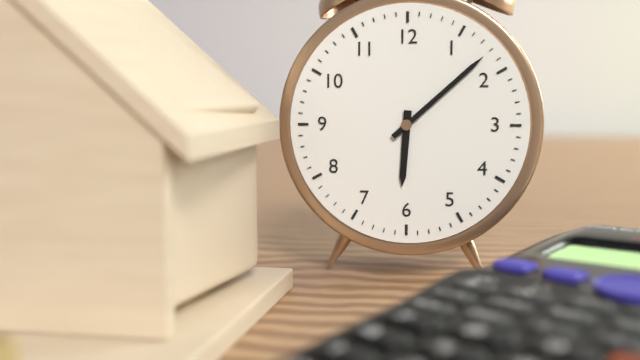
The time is 6h08
